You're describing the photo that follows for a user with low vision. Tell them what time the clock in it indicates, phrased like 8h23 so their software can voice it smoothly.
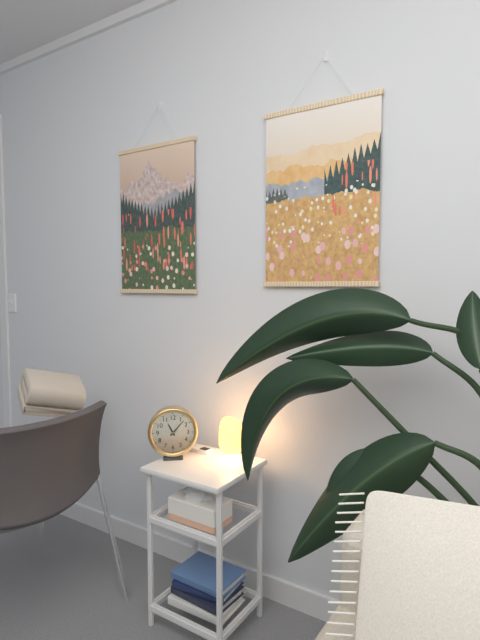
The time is 11h07
